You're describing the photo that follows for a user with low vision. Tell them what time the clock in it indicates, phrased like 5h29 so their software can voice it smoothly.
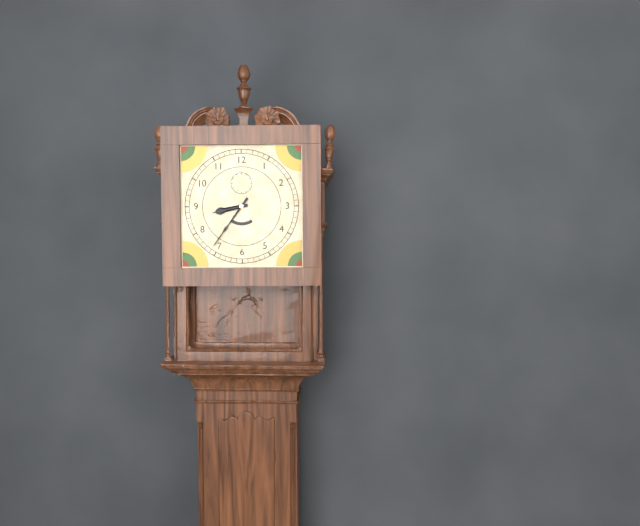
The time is 8h36
